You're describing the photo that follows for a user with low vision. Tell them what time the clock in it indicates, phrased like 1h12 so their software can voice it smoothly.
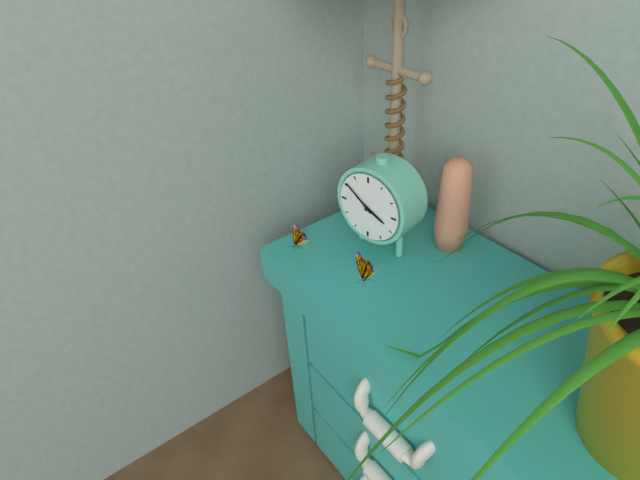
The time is 3h51
